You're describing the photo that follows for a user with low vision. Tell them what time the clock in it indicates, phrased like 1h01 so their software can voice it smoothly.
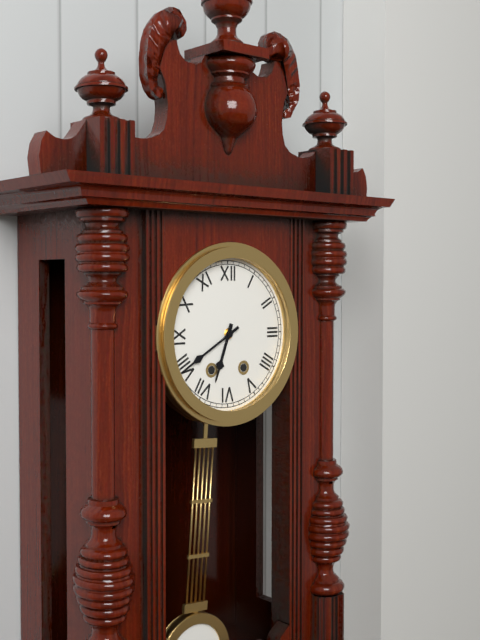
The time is 6h40
